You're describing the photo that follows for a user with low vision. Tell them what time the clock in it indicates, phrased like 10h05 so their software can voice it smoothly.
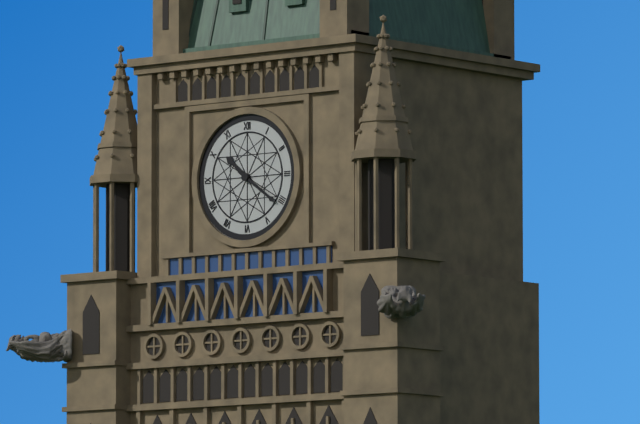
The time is 10h21
